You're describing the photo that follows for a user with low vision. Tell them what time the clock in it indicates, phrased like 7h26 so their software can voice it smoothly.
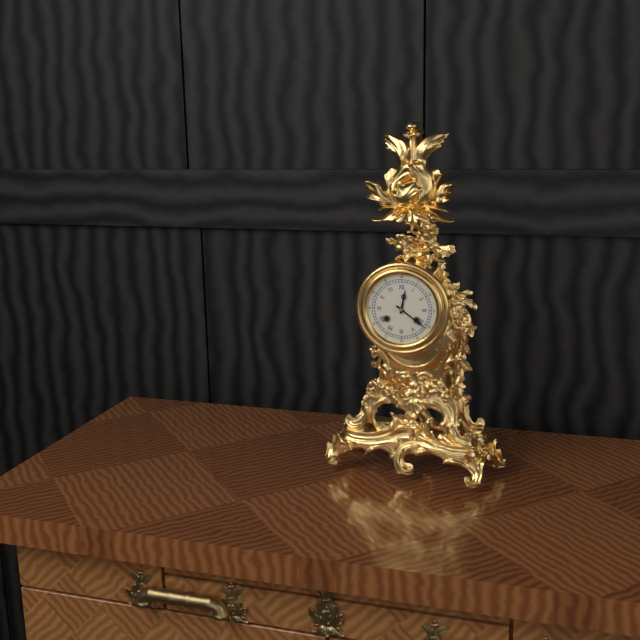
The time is 12h21
